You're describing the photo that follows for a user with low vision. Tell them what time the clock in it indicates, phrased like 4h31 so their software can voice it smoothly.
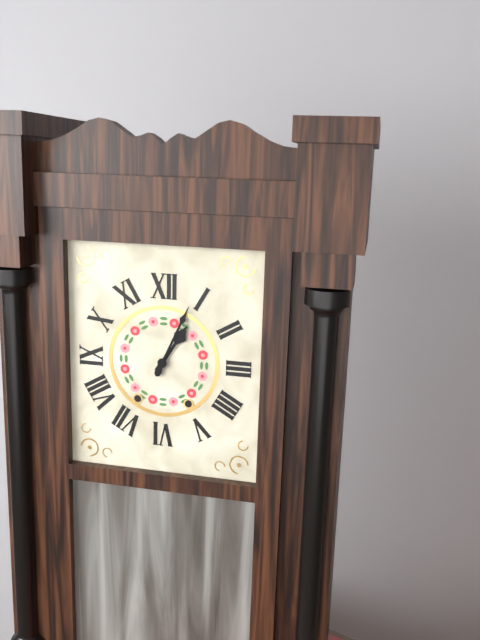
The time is 1h04
